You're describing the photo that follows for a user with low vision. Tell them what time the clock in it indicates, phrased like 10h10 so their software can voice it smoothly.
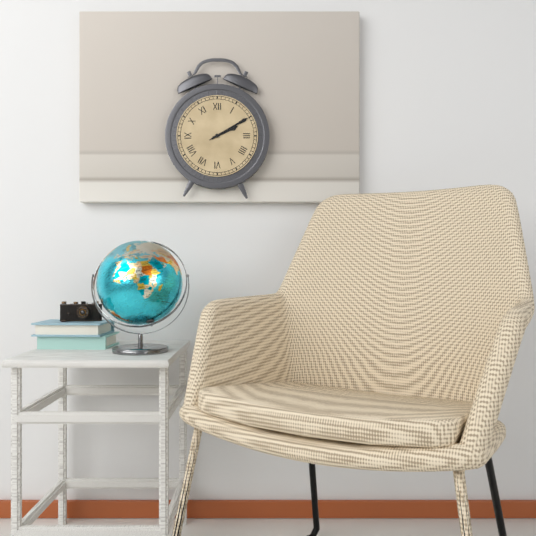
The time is 2h10
